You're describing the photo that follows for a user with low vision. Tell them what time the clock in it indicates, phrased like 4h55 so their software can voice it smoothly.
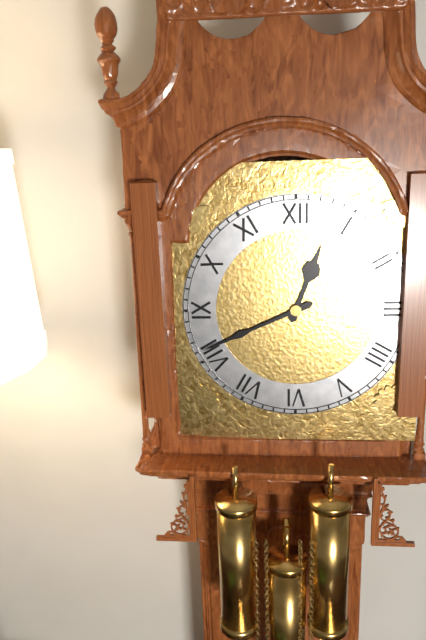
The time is 12h41
